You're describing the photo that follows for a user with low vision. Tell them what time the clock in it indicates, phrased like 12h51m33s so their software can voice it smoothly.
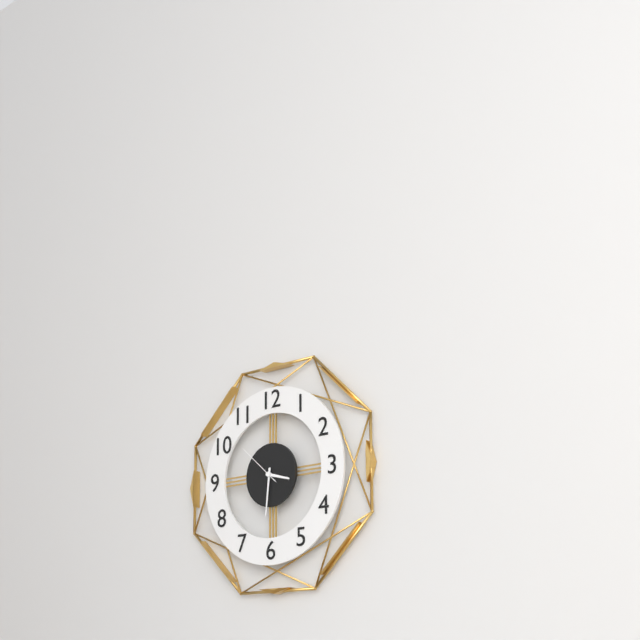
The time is 3h31m52s
